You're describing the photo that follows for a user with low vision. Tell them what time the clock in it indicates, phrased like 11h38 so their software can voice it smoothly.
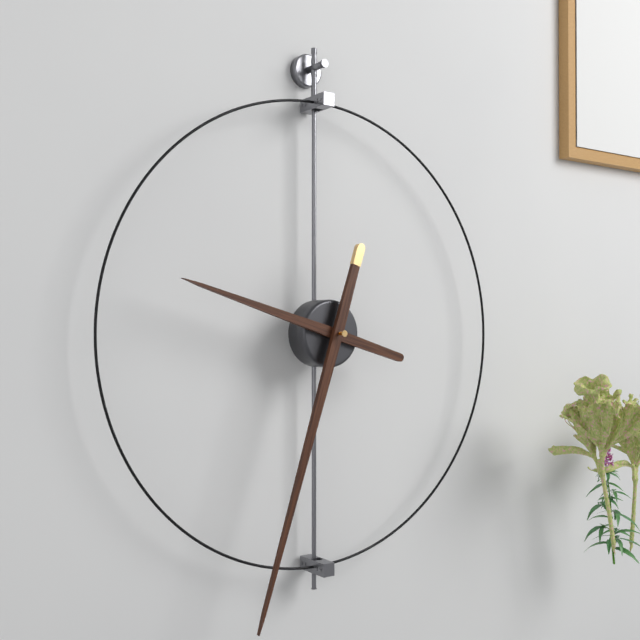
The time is 9h33
